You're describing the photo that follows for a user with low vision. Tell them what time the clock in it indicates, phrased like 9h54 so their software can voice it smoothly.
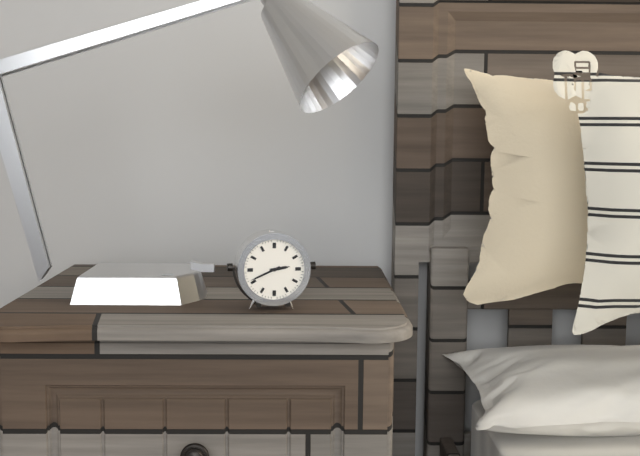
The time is 2h41
